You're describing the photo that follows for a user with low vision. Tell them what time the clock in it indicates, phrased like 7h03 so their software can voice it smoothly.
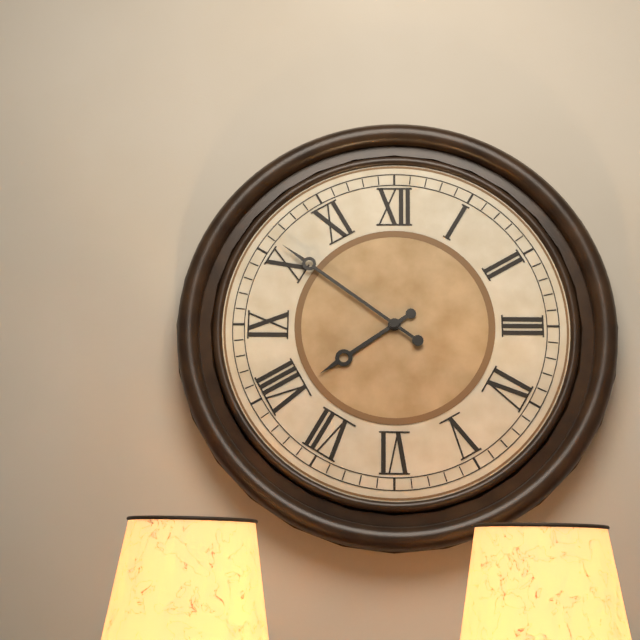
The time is 7h51
